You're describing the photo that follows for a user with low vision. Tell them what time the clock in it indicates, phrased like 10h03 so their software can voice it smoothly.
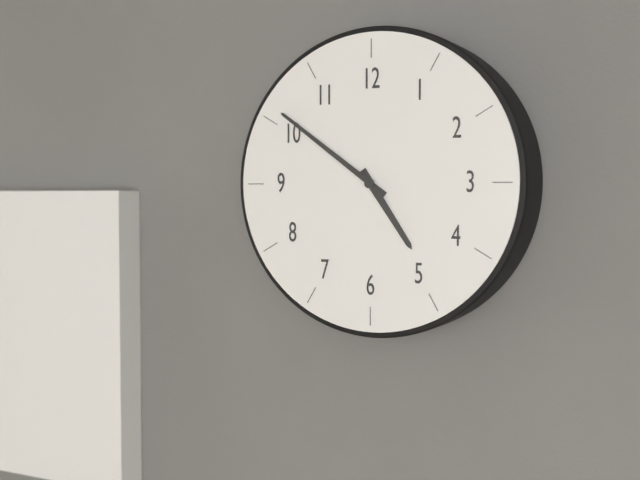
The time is 4h51
